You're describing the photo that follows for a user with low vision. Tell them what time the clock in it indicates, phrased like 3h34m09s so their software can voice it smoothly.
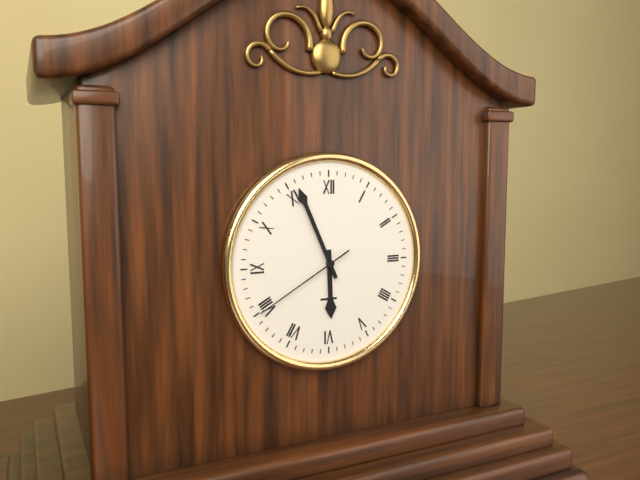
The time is 5h56m40s
